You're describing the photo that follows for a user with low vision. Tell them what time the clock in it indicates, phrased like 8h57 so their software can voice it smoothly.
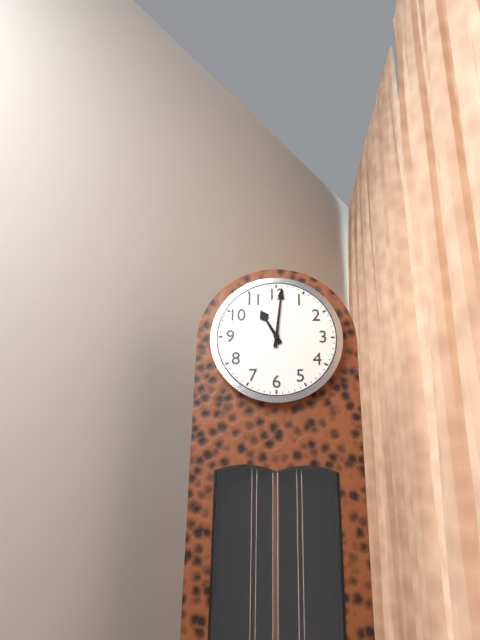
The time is 11h01
